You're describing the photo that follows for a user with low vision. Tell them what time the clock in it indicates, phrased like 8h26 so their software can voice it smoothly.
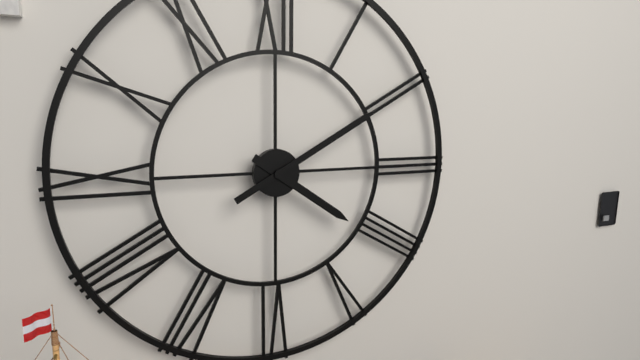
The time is 4h10
